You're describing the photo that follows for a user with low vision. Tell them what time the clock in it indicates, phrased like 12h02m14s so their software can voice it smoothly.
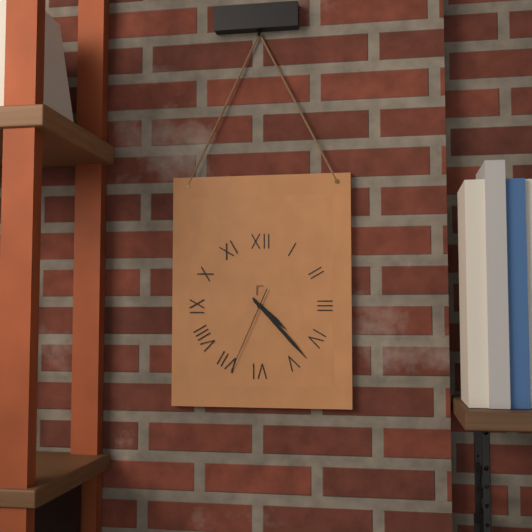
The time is 4h23m34s
